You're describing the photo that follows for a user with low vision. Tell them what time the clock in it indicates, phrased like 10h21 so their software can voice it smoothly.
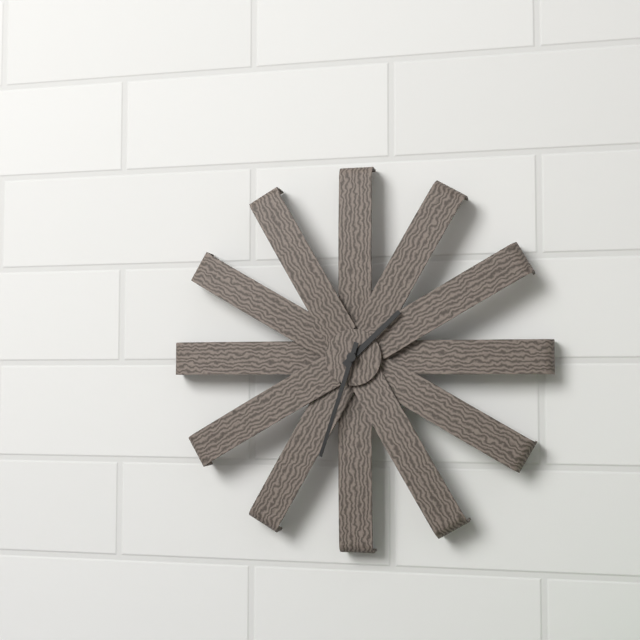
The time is 1h33
